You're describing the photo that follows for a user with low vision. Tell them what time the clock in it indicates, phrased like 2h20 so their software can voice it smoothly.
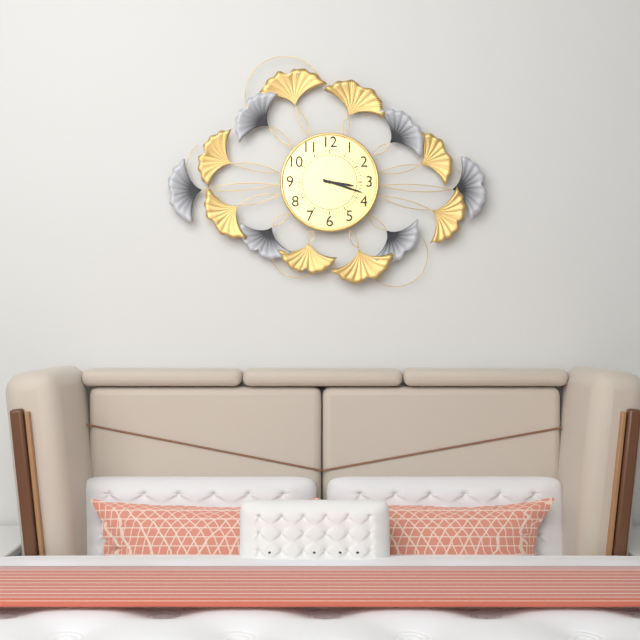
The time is 3h18
